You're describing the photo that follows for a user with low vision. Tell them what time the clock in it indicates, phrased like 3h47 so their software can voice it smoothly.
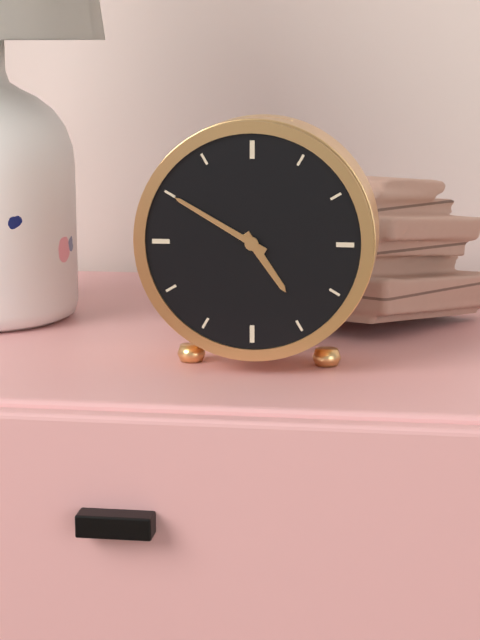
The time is 4h50
